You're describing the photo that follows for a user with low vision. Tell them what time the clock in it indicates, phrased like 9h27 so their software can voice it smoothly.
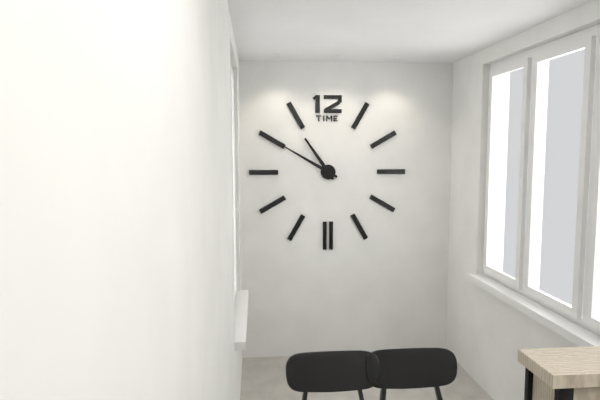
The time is 10h50
